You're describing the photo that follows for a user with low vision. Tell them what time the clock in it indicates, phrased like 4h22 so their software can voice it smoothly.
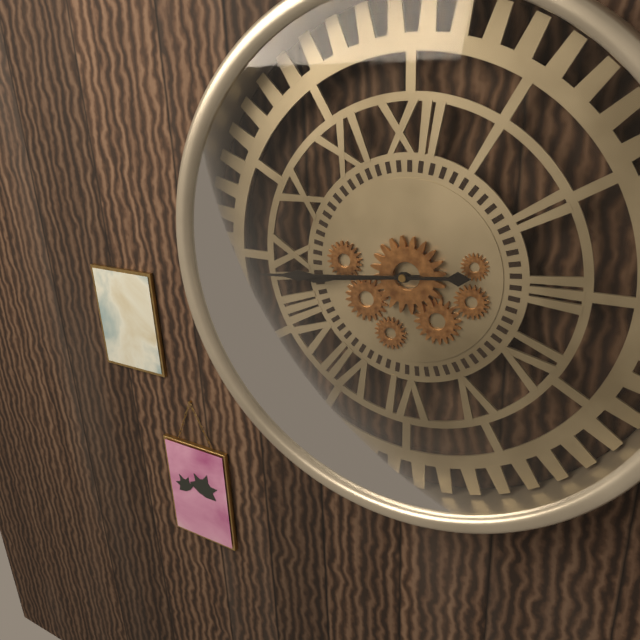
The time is 8h44
